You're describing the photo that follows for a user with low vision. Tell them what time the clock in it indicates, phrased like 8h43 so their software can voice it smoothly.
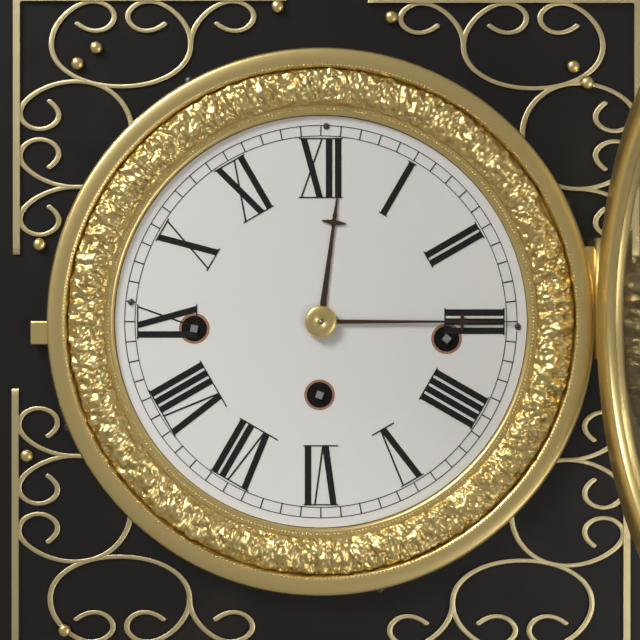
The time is 12h15
